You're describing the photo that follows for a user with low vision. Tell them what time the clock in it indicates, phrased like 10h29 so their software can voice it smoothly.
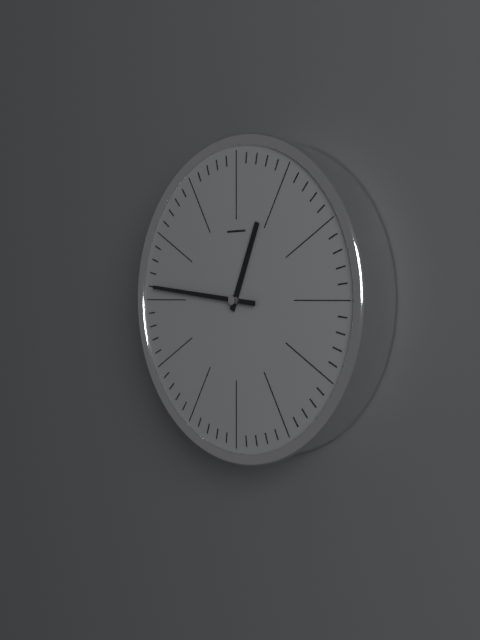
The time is 12h46
